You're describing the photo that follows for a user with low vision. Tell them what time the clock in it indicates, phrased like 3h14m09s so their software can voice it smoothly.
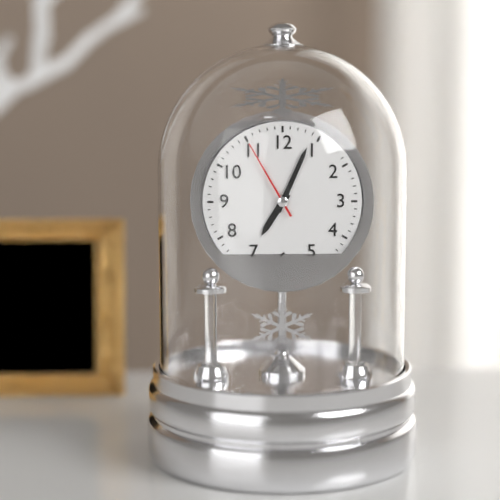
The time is 7h04m55s
